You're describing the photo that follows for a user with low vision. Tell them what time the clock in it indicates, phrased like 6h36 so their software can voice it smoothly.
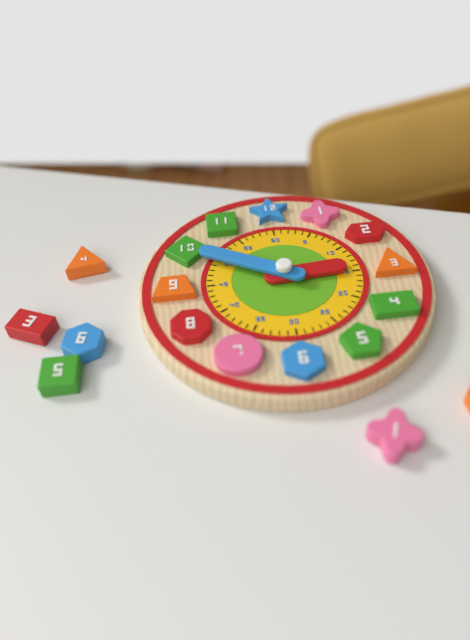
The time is 2h50
